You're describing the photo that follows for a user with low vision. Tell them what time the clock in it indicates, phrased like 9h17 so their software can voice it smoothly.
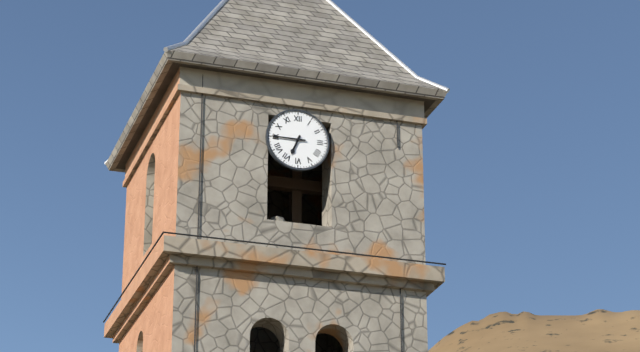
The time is 6h45
